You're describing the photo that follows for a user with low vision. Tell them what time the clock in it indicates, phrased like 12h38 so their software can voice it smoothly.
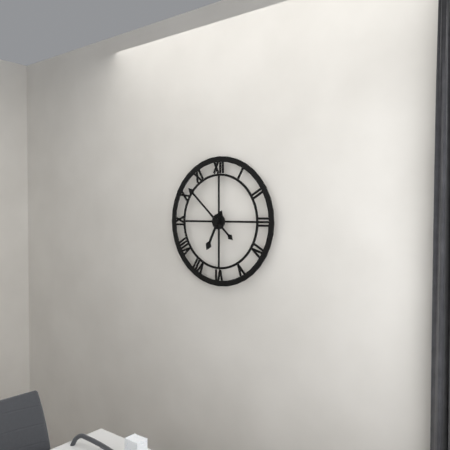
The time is 6h52
